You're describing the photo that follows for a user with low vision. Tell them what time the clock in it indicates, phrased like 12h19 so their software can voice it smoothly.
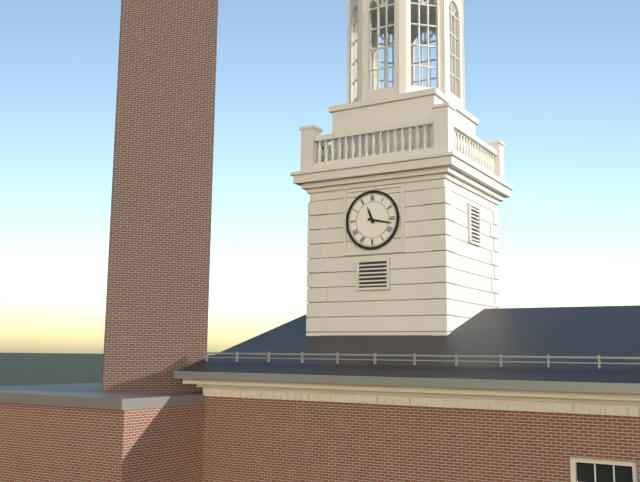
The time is 11h17
